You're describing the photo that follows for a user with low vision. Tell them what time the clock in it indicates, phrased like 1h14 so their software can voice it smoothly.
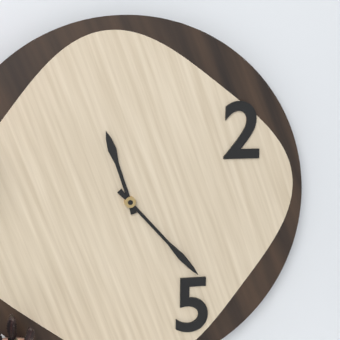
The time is 11h23
